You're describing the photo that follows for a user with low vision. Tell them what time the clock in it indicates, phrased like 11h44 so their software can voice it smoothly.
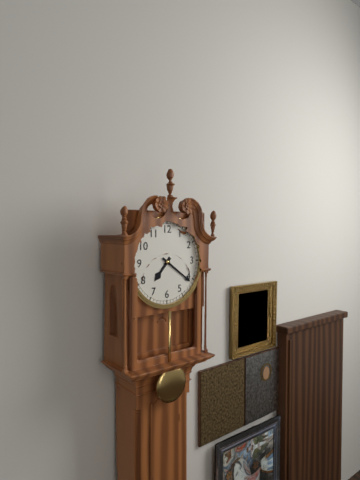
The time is 7h21
